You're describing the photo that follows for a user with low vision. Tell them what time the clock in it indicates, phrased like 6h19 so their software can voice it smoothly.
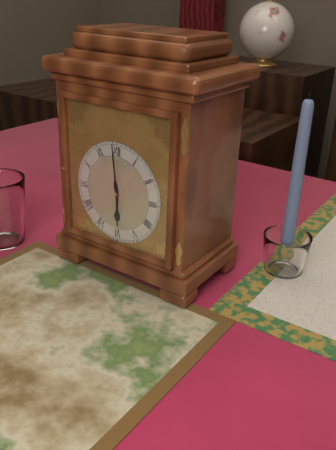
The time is 5h59
